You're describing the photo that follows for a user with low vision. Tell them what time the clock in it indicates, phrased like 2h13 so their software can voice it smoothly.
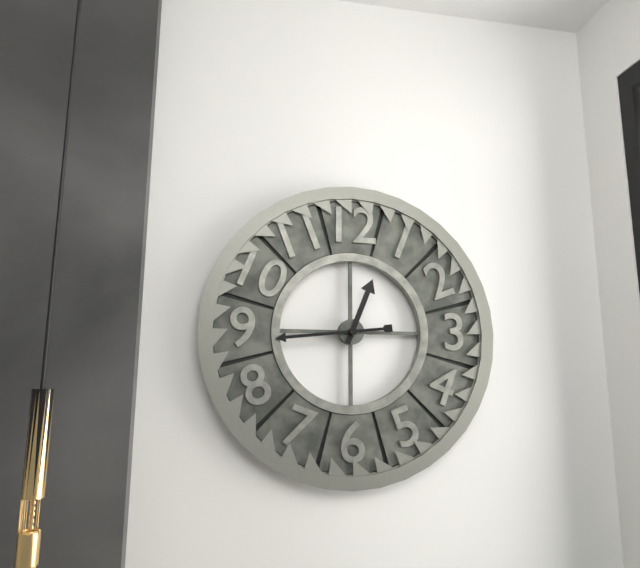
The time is 12h44
